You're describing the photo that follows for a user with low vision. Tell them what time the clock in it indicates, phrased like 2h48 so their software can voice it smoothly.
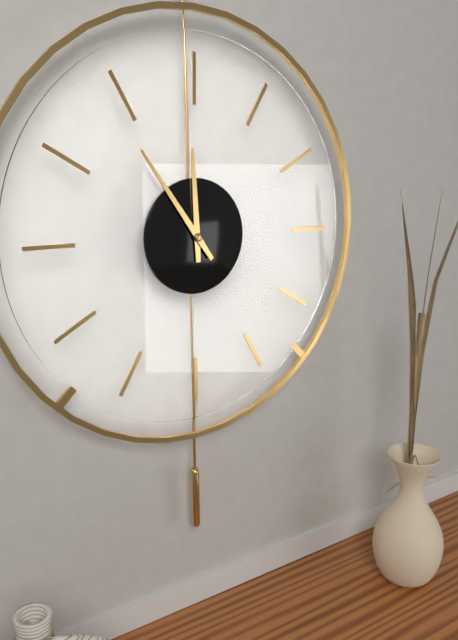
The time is 11h54
